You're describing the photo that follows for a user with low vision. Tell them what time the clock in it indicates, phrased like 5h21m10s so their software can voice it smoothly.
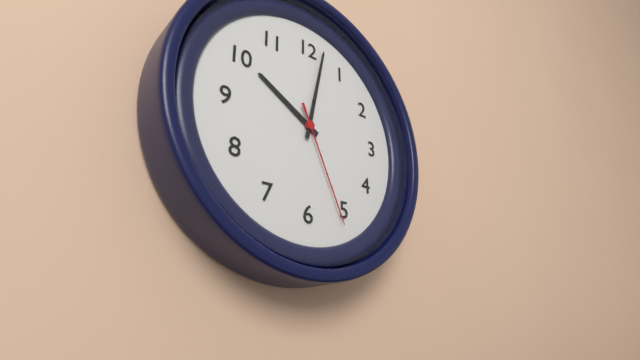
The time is 10h02m26s
